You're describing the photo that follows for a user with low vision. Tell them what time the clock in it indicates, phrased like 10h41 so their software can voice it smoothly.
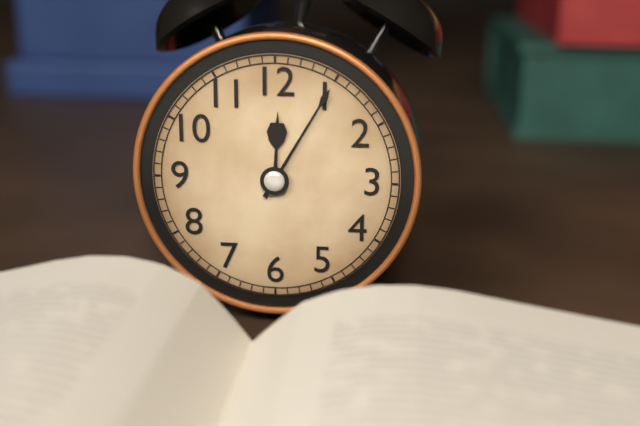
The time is 12h05
